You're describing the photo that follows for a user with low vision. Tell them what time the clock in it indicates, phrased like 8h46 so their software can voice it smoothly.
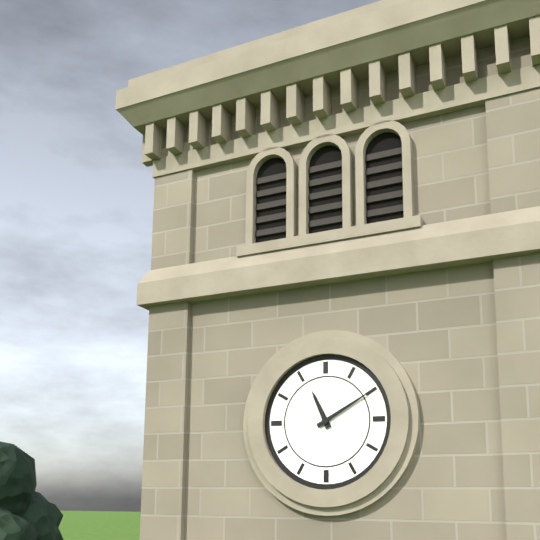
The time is 11h10
